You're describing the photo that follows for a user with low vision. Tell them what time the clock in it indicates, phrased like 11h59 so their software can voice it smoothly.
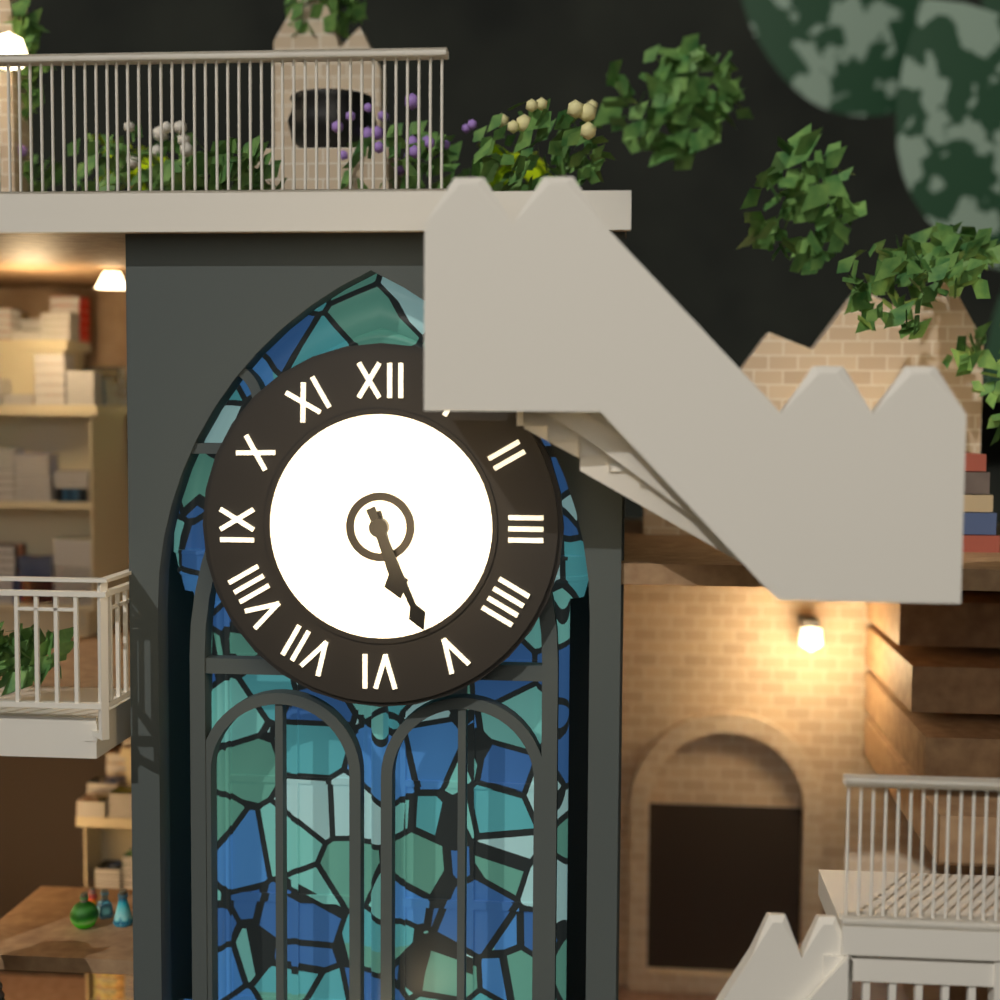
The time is 5h26
